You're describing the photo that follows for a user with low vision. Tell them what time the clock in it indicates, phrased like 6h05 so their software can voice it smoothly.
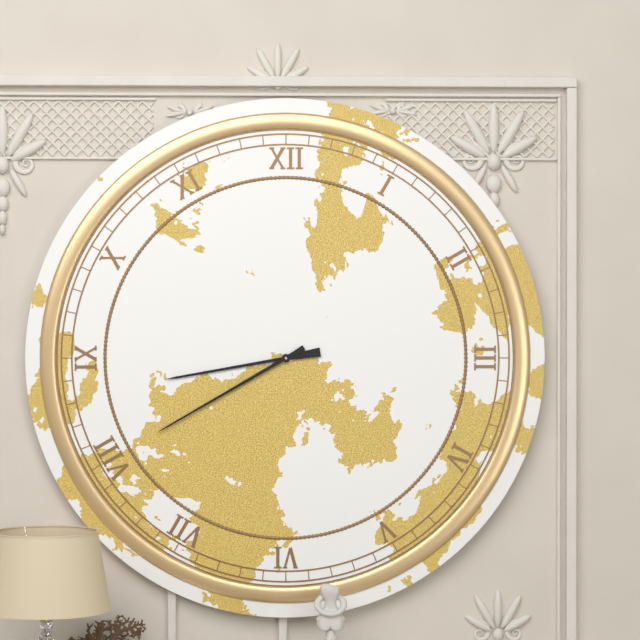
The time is 8h40
